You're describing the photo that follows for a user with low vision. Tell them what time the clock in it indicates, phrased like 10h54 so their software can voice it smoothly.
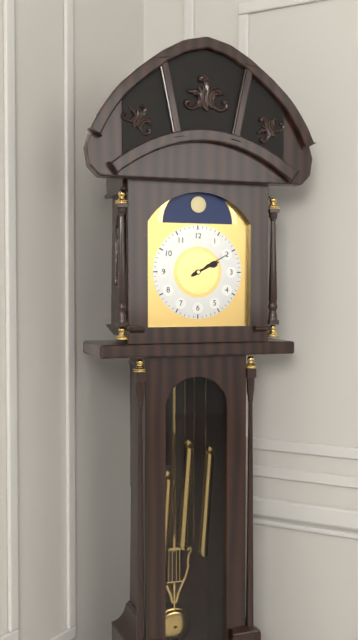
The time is 2h10
